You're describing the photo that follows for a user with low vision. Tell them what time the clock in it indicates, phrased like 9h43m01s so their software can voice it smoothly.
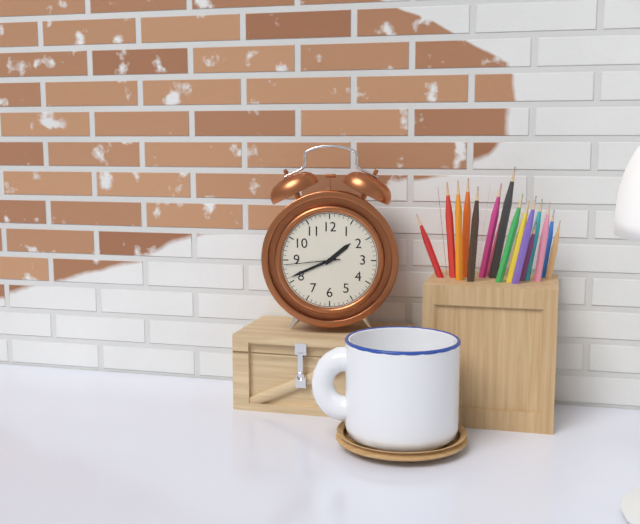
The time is 1h41m44s
